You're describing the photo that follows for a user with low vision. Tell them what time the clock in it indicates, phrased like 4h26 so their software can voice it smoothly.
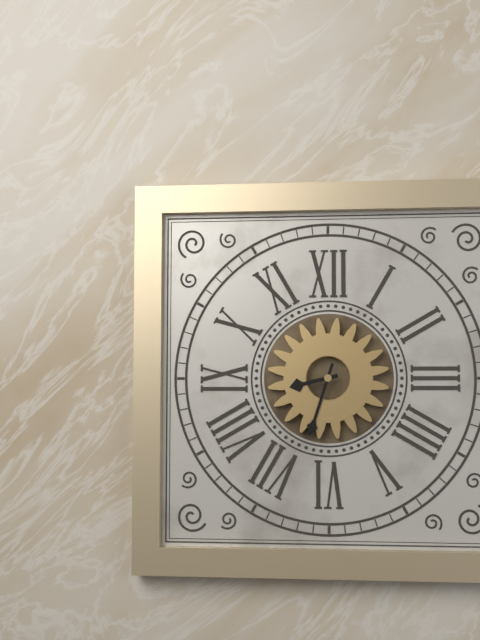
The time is 8h33
